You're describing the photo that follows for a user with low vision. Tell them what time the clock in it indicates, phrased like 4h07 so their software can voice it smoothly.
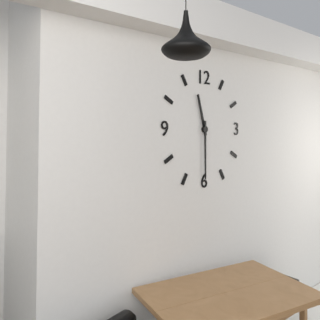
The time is 11h30
